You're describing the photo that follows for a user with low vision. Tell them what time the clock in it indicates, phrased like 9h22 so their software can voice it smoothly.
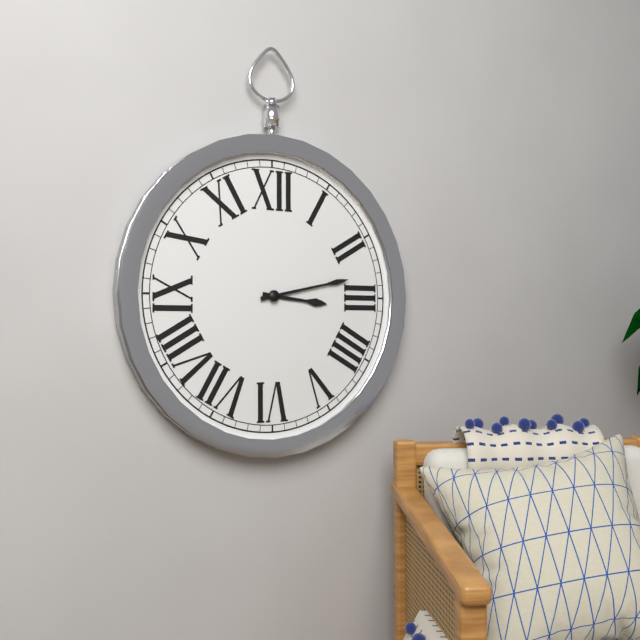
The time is 3h13
